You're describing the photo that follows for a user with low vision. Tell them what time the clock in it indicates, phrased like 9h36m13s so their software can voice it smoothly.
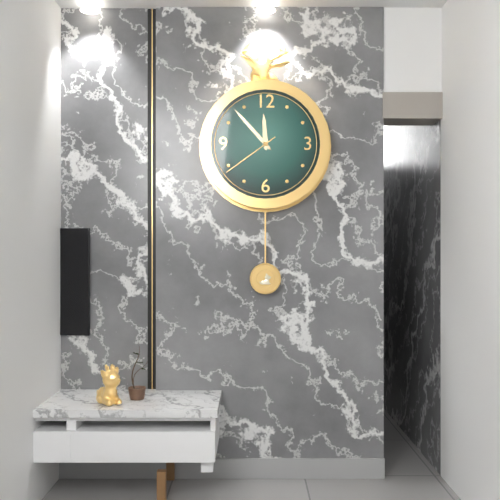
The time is 11h53m39s
